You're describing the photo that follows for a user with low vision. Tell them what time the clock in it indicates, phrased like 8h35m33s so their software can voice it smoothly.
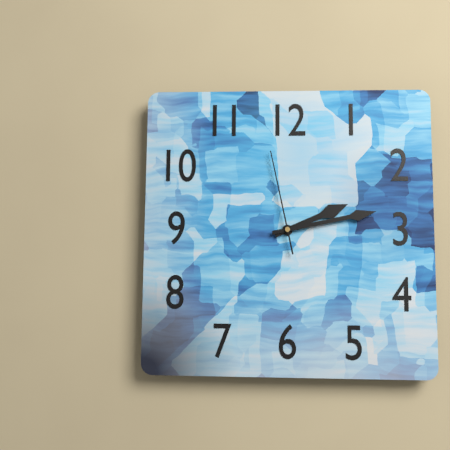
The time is 2h13m58s
